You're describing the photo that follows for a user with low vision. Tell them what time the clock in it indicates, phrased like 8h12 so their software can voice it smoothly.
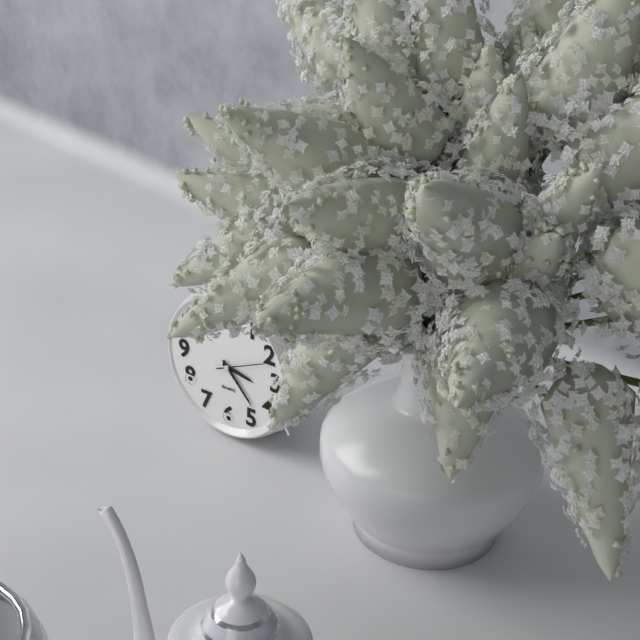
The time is 3h23
